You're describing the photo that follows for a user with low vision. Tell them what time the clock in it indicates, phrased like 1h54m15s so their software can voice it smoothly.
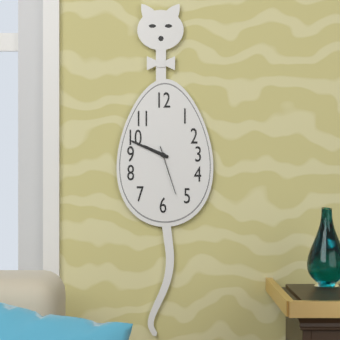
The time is 9h49m27s
